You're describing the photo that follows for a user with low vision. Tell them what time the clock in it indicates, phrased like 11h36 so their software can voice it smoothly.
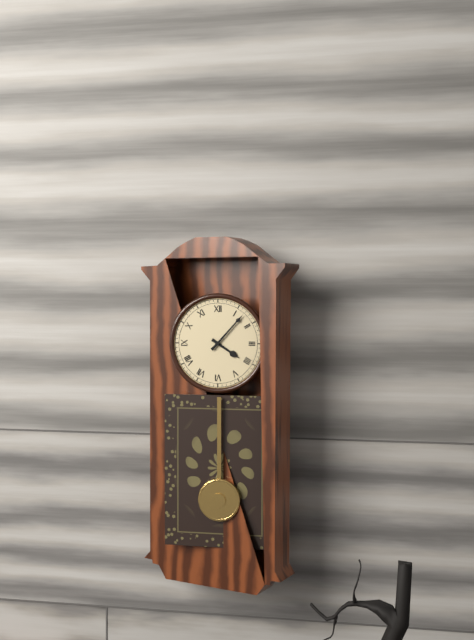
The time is 4h07
